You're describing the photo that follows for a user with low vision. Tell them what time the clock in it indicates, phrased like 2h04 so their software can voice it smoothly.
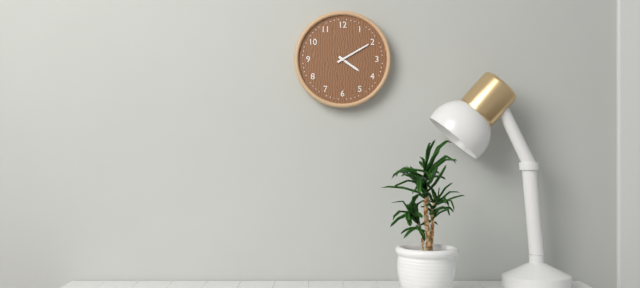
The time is 4h10
